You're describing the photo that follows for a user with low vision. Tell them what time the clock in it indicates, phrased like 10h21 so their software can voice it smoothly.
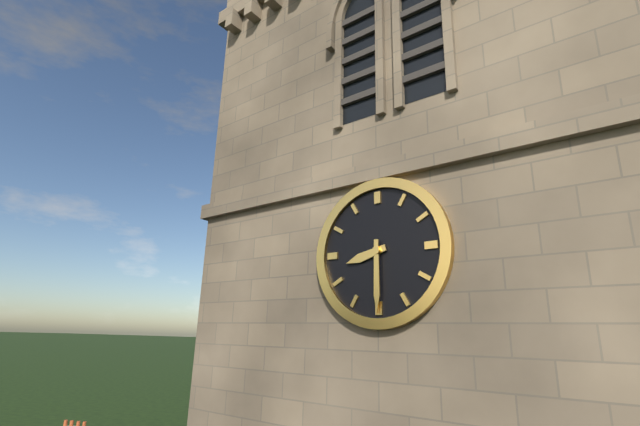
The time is 8h30
